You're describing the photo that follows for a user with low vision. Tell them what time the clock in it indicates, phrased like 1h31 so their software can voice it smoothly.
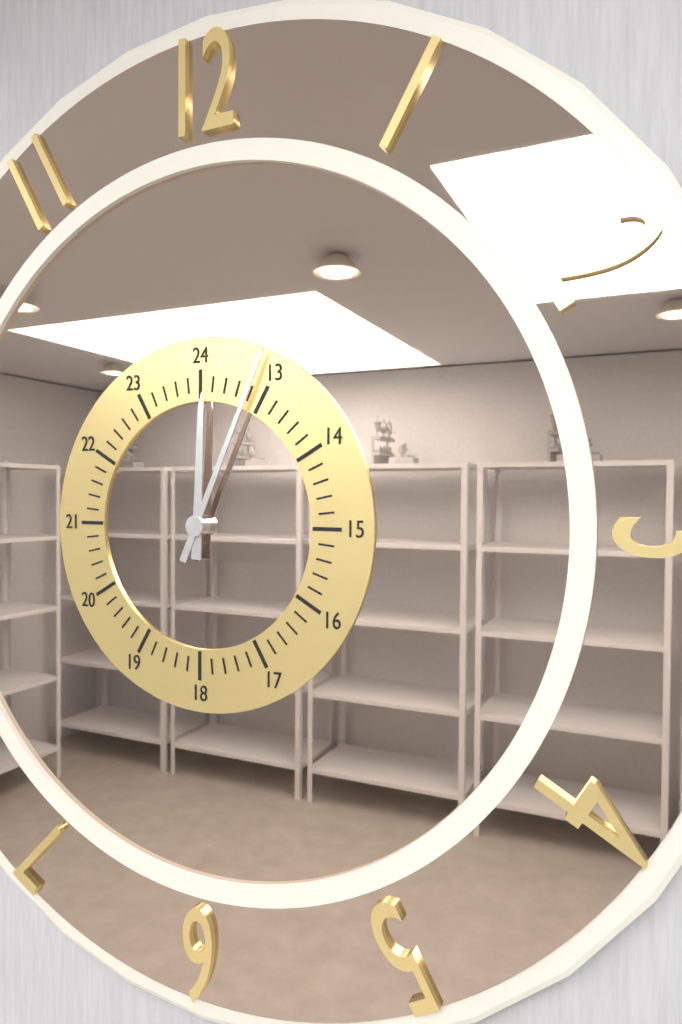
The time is 12h04
